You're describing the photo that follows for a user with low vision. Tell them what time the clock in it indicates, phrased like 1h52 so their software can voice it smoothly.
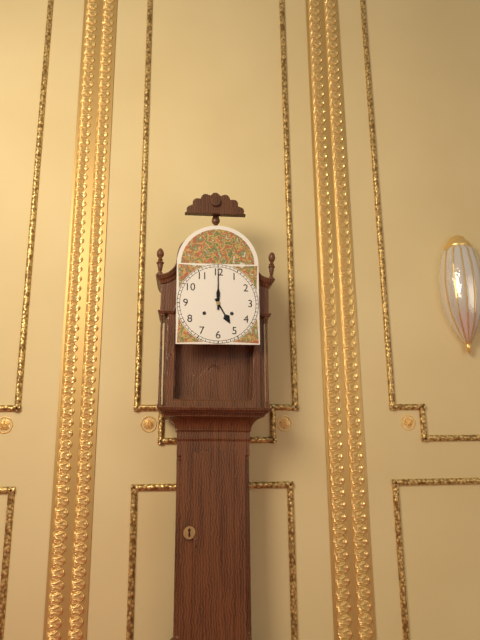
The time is 5h00
